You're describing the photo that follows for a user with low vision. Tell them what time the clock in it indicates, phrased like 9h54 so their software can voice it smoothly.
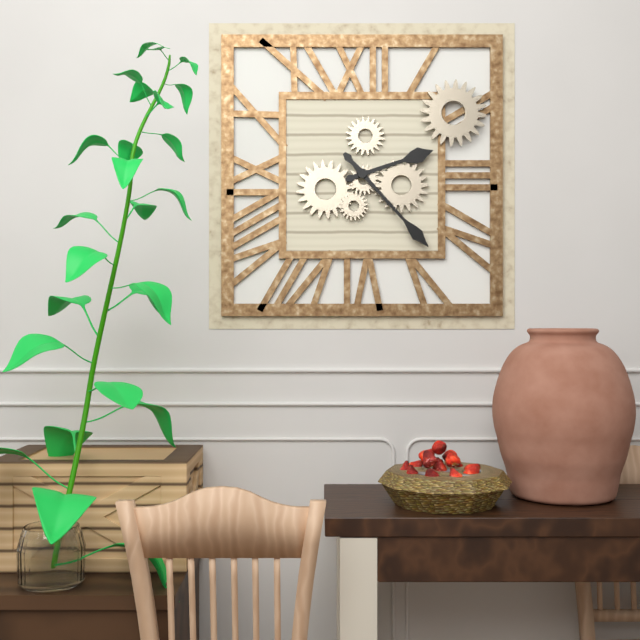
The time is 2h23
